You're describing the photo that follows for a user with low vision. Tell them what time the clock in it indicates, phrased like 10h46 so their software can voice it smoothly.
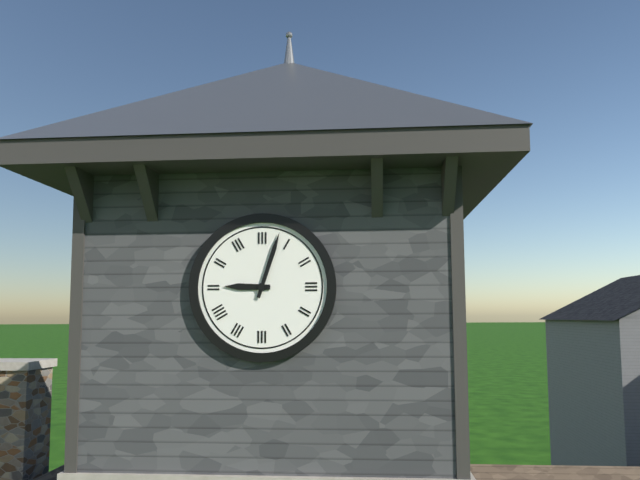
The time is 9h03
